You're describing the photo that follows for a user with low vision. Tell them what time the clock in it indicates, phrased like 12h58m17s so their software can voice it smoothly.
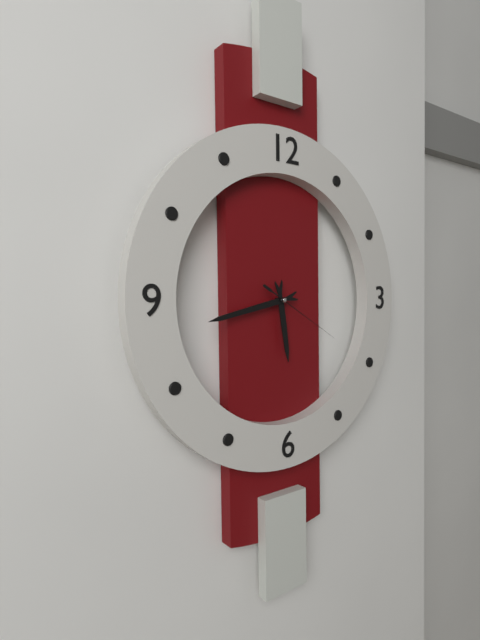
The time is 5h43m20s
